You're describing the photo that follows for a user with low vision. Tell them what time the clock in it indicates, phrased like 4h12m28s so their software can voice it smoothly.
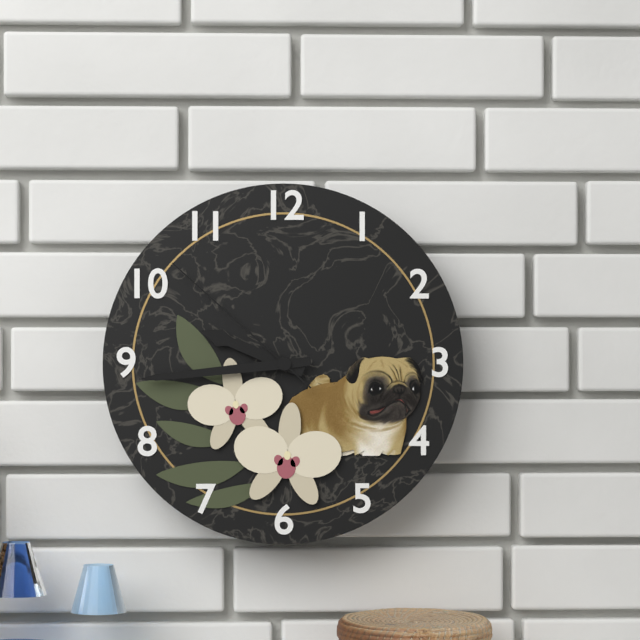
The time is 9h44m52s
